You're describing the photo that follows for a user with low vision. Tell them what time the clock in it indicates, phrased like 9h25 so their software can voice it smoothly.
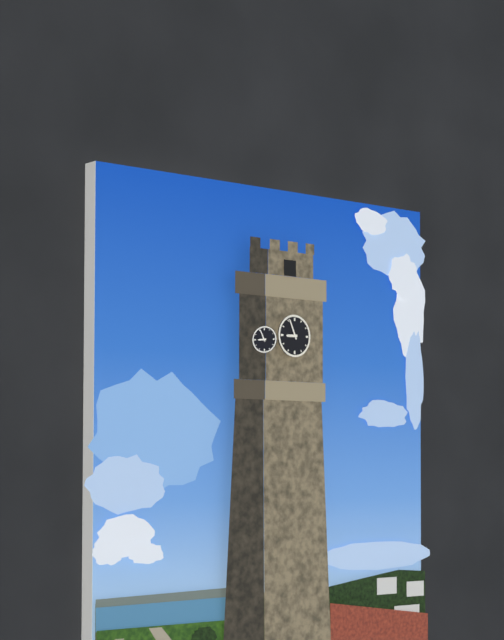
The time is 8h56
